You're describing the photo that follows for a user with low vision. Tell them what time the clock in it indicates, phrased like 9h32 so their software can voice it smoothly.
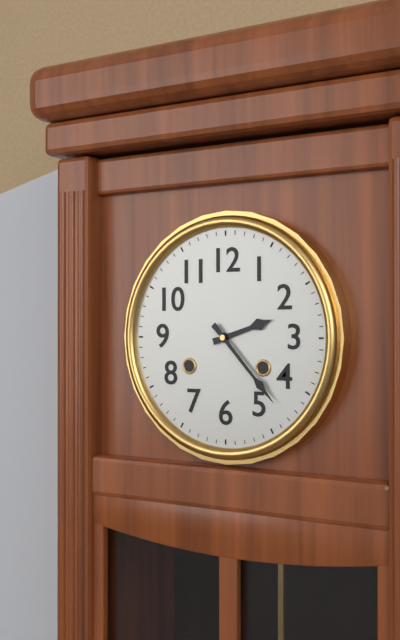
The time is 2h23
